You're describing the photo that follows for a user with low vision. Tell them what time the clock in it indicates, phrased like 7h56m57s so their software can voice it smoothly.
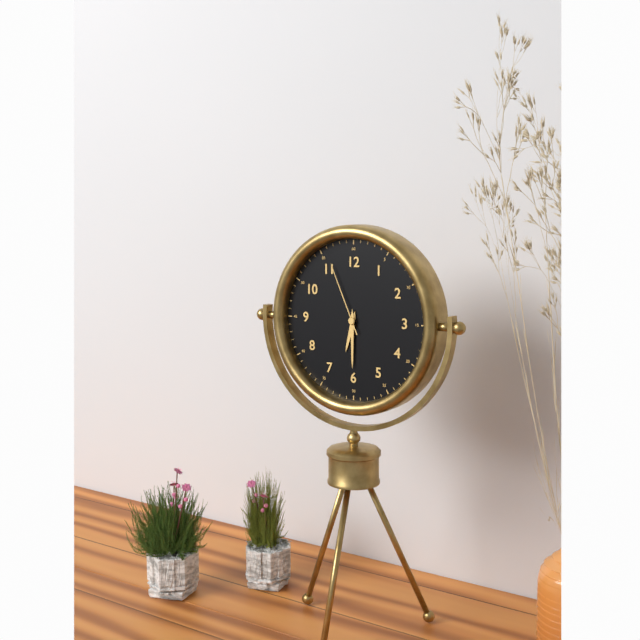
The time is 6h30m56s
